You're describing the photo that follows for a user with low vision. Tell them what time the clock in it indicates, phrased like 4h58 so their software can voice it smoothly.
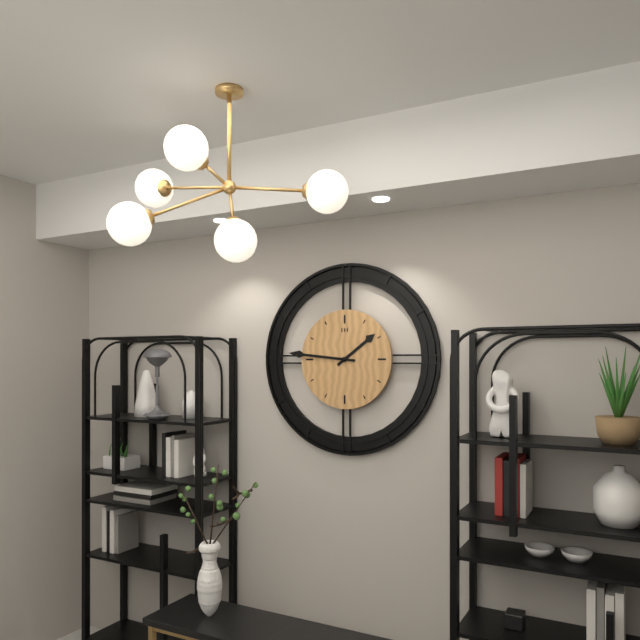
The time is 1h46
